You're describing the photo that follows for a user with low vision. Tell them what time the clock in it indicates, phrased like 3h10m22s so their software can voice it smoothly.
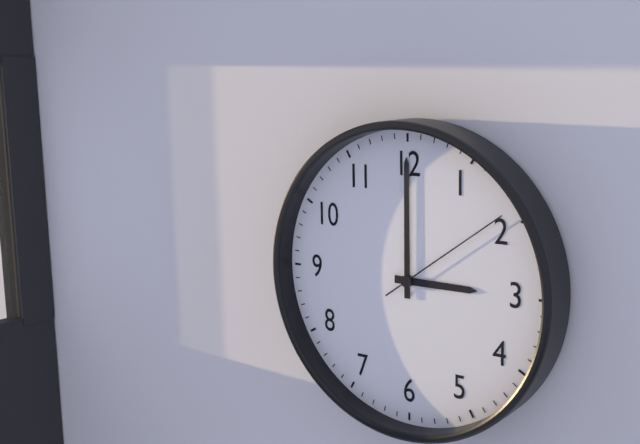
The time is 3h00m09s
